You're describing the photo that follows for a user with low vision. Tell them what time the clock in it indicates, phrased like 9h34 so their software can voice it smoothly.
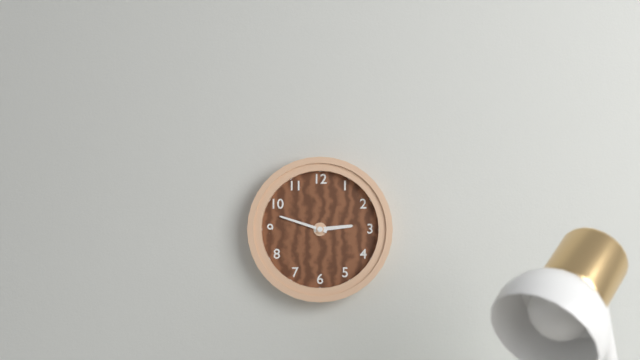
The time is 2h48
